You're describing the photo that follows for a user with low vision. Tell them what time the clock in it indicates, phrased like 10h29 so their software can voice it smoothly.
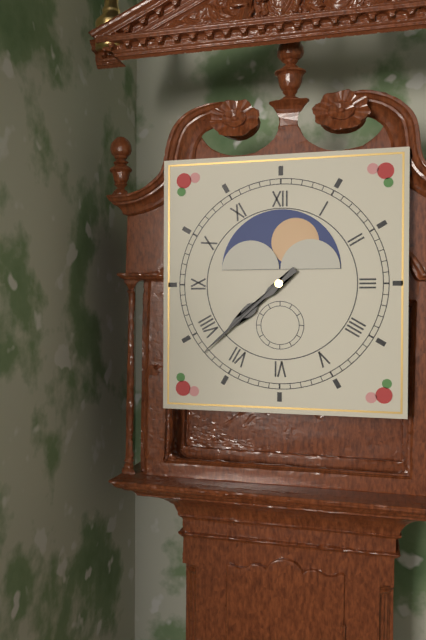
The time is 7h38
